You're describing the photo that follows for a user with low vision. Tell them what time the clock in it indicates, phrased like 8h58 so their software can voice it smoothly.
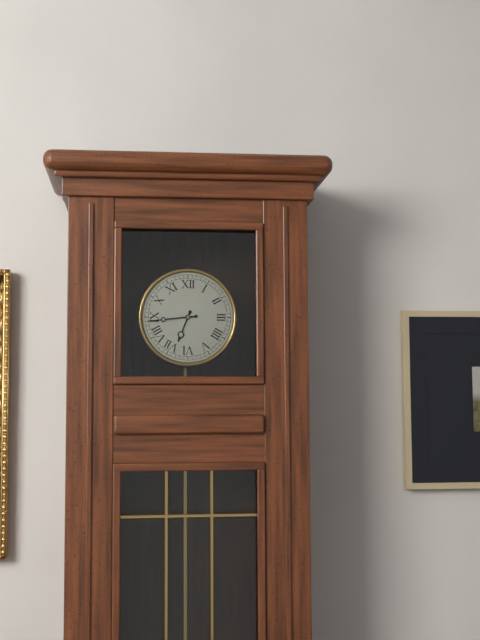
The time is 6h44
